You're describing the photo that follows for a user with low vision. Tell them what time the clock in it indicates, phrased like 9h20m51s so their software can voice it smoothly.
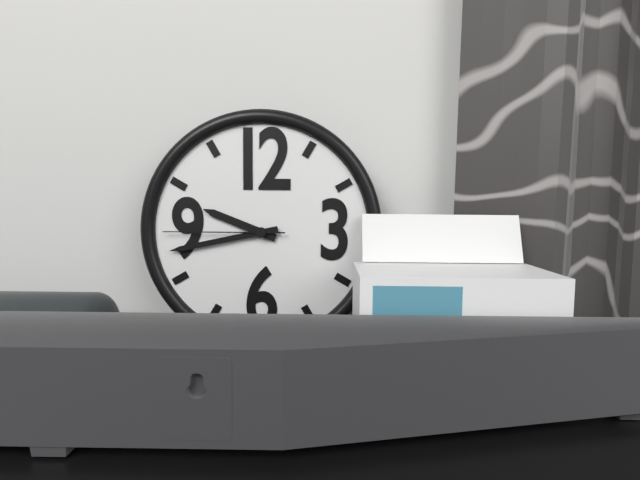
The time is 9h43m45s
